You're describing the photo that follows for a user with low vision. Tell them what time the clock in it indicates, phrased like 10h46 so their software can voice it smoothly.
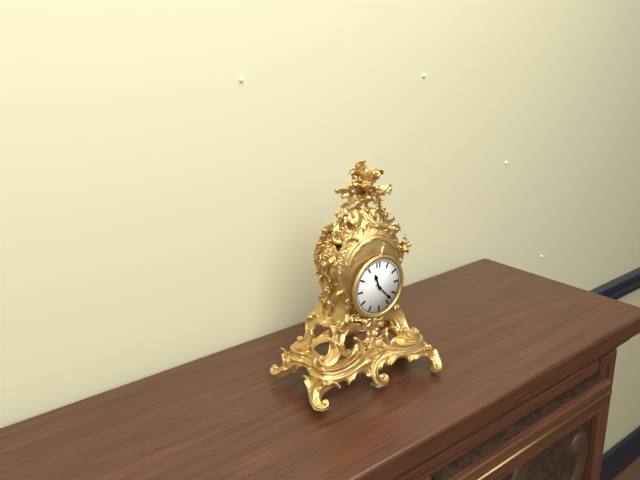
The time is 11h23
